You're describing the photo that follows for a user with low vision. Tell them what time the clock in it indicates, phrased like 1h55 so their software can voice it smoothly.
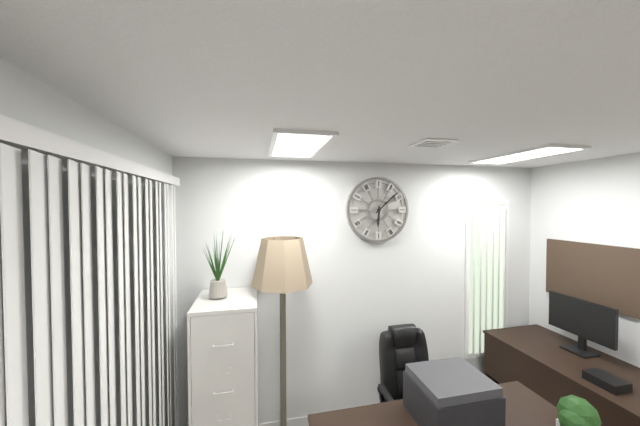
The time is 6h08
